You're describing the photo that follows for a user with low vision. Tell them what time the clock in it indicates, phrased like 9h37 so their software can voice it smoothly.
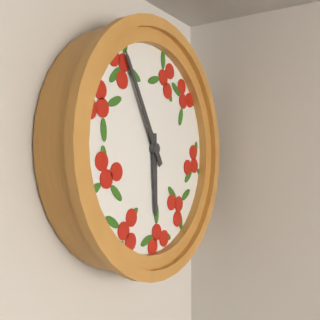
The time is 5h55
